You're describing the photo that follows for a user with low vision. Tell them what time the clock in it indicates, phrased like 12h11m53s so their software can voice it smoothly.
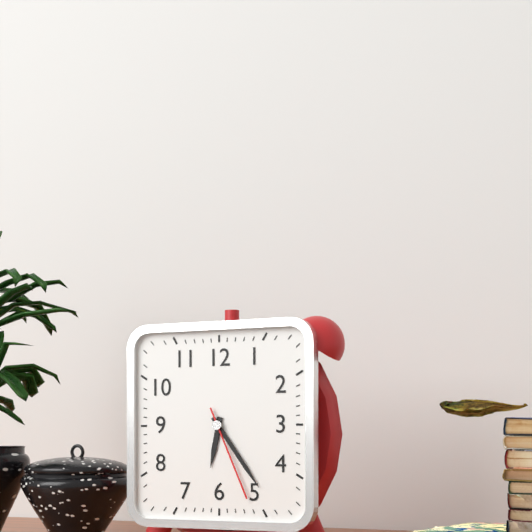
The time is 6h24m26s
